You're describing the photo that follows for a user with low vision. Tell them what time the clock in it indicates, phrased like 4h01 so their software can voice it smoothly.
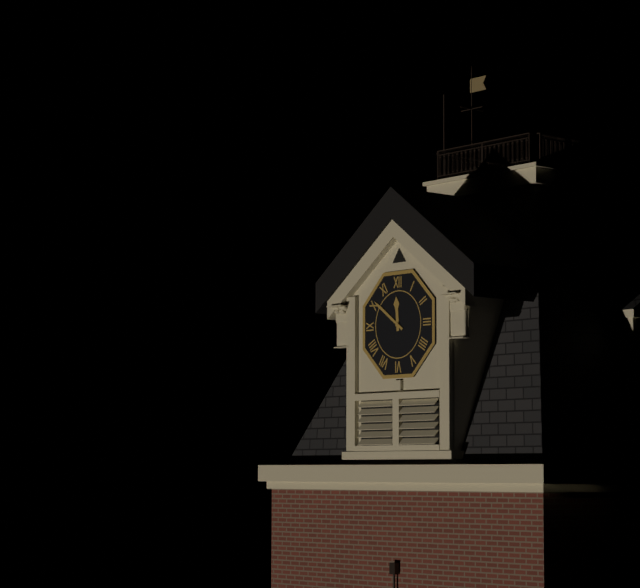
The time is 11h51
